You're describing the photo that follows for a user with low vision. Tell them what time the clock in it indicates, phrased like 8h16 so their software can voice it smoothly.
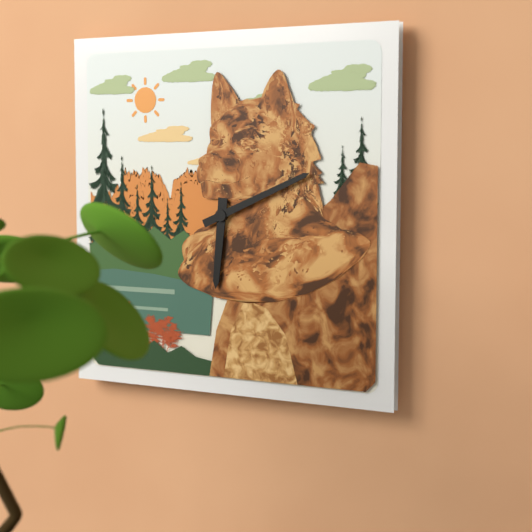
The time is 6h11
